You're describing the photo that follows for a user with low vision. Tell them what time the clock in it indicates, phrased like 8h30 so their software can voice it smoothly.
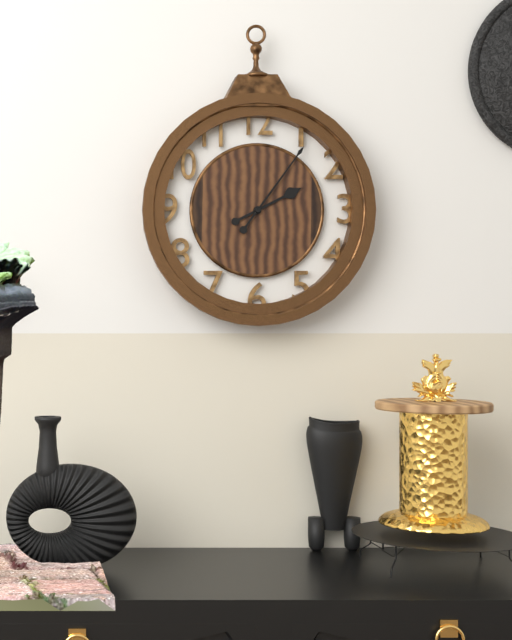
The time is 2h06
